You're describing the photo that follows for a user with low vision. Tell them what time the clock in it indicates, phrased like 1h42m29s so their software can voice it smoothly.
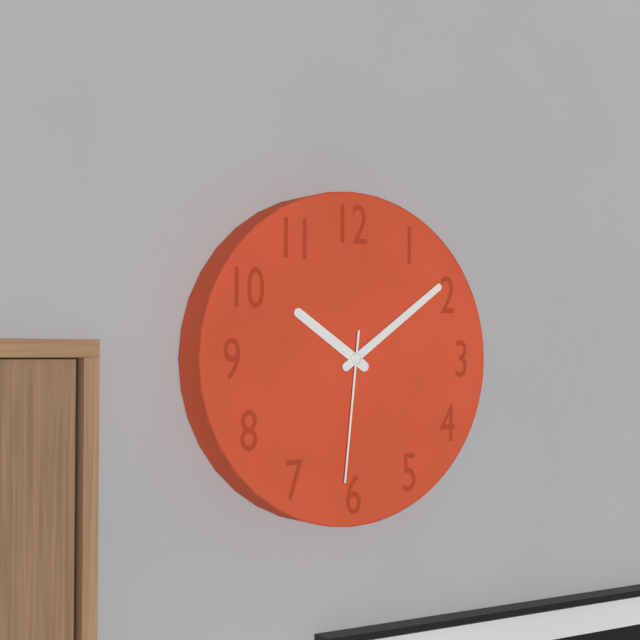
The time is 10h09m31s
